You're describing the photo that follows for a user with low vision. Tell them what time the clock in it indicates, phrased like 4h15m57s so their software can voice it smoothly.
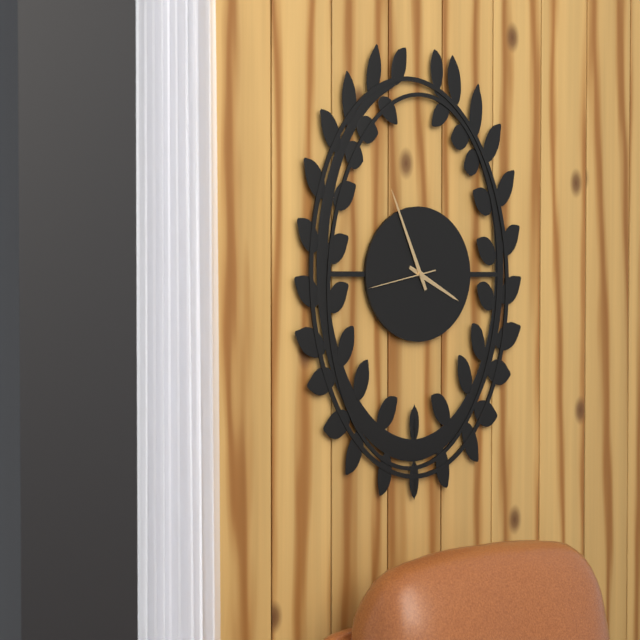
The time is 3h56m43s
